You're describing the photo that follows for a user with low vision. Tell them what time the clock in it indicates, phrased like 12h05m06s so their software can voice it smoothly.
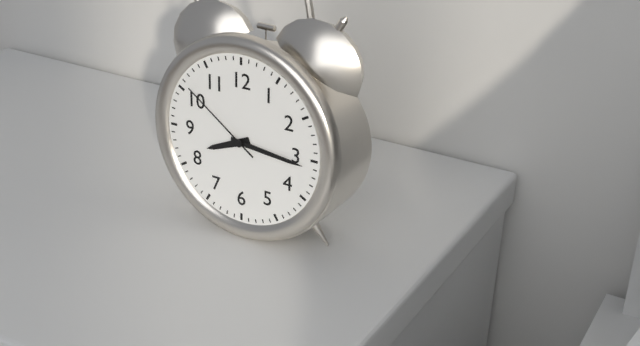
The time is 8h16m51s
